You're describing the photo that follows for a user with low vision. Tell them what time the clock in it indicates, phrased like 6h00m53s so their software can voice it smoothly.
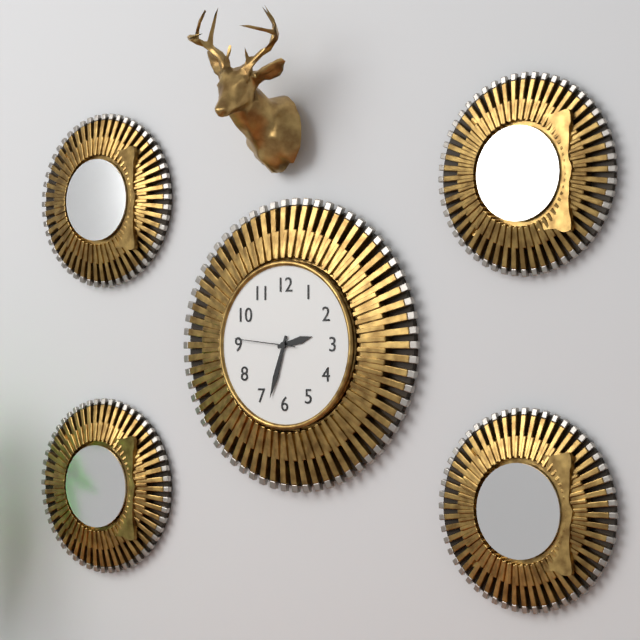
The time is 2h33m46s
